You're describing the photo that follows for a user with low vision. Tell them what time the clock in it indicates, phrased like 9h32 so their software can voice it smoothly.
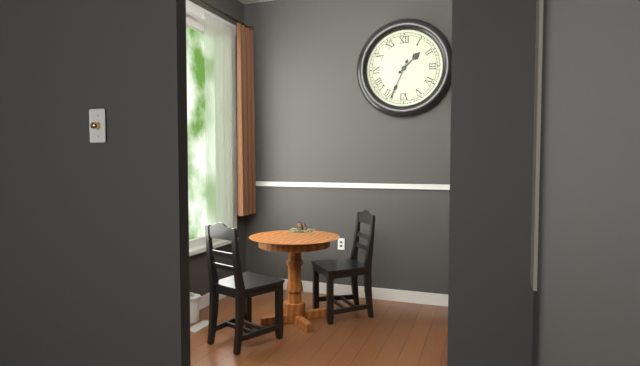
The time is 1h34
